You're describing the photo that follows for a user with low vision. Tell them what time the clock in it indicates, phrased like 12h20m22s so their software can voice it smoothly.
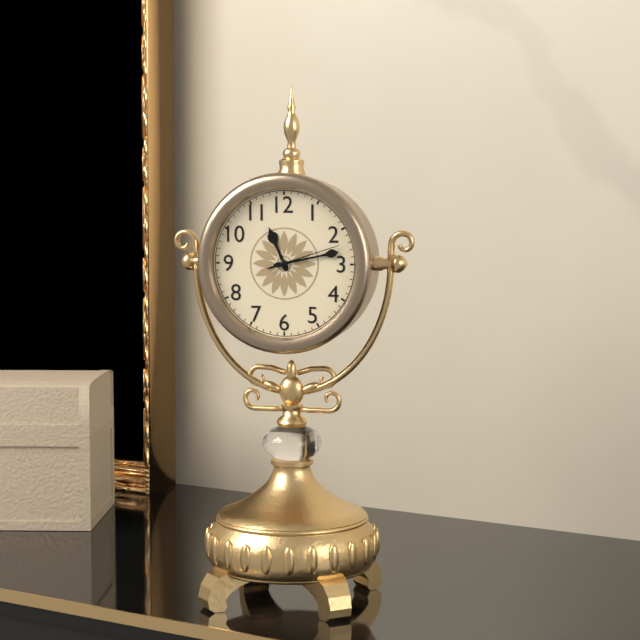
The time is 11h13m12s
